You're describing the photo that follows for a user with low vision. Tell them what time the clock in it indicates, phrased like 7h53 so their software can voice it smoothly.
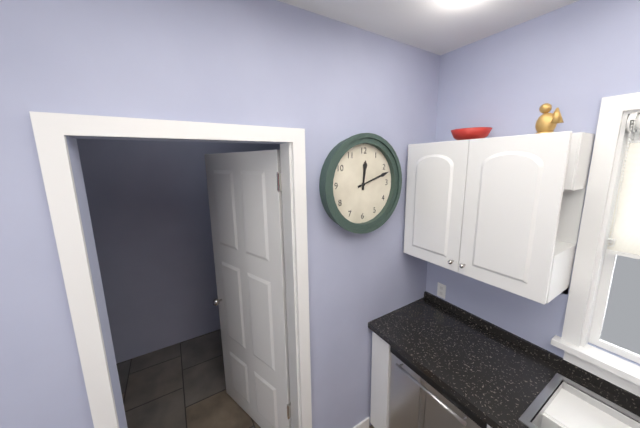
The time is 12h12
